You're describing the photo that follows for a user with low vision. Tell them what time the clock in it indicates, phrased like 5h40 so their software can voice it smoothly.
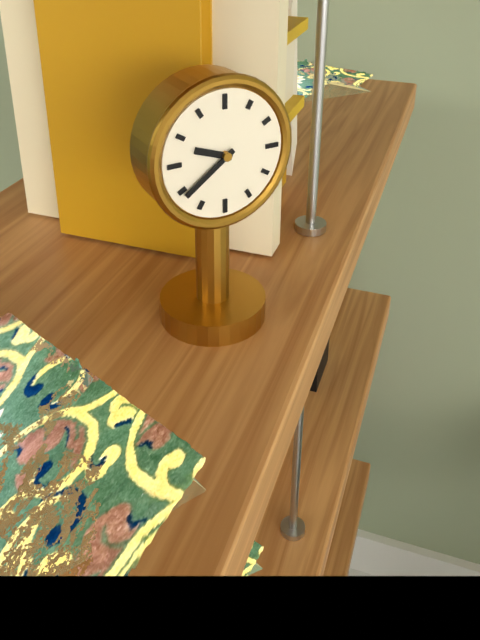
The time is 9h39
